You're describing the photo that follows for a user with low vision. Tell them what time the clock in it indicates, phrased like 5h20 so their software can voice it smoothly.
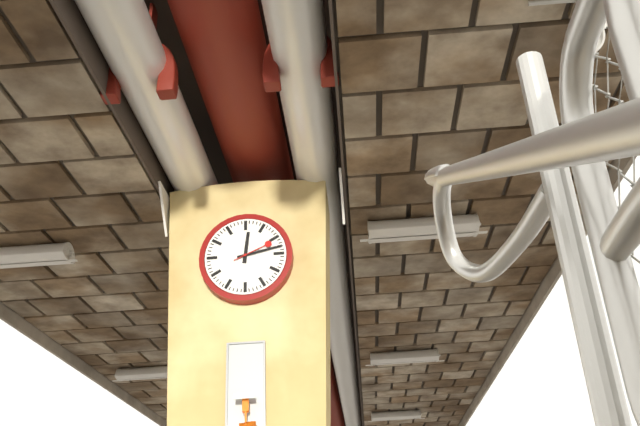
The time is 12h13
